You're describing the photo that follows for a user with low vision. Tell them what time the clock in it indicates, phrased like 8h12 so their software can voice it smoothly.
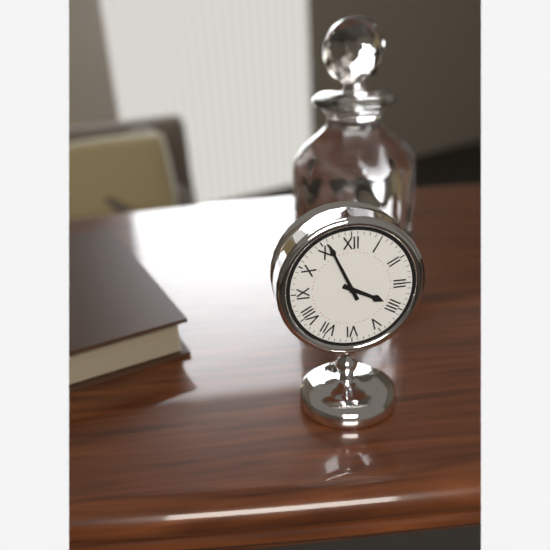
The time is 3h56
